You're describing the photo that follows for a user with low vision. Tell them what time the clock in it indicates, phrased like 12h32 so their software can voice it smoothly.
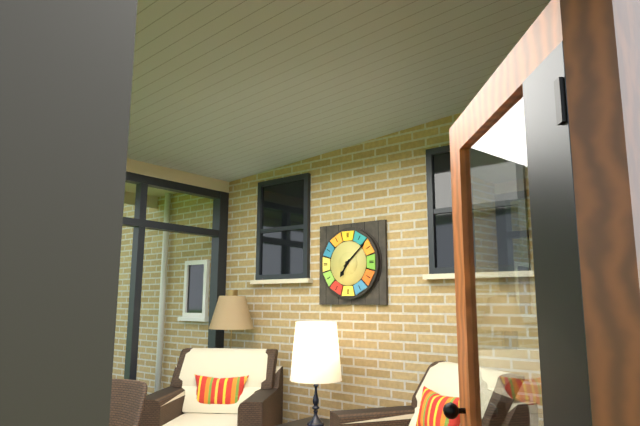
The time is 7h08
